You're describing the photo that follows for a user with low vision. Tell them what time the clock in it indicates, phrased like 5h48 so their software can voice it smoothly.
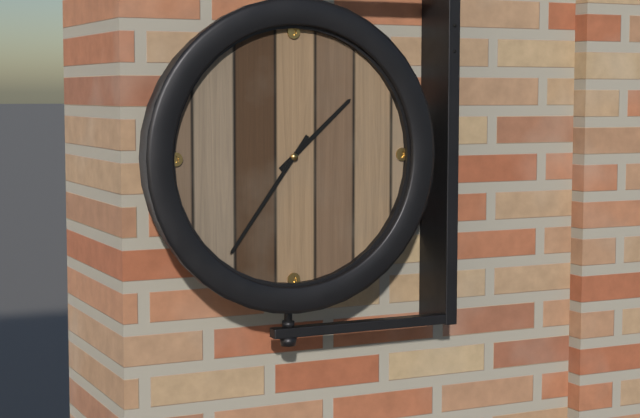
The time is 1h36
